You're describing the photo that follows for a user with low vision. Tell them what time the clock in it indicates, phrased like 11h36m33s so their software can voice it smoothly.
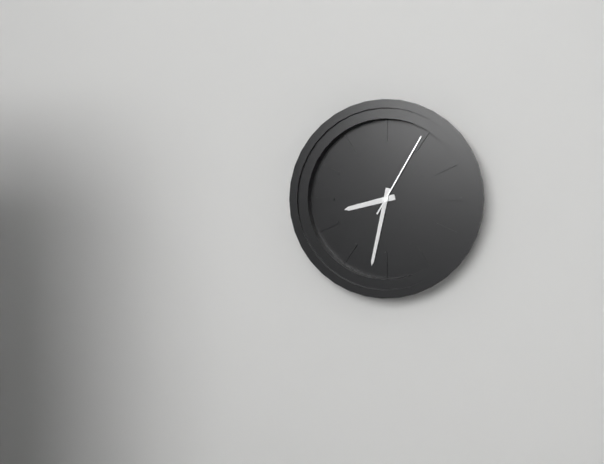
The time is 8h32m05s
